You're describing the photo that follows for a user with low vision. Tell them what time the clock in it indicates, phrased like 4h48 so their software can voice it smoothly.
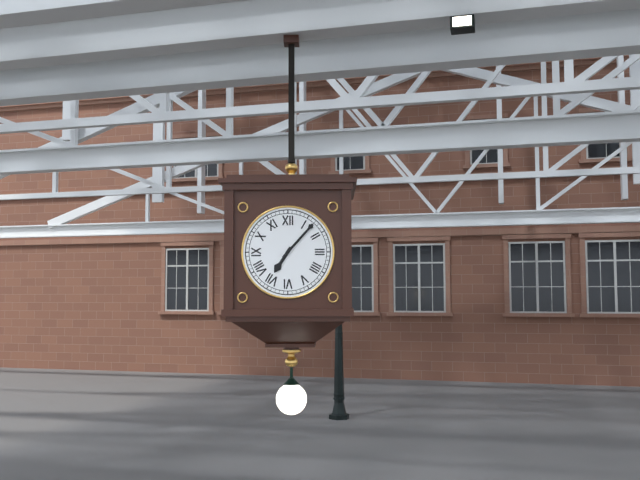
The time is 7h07
